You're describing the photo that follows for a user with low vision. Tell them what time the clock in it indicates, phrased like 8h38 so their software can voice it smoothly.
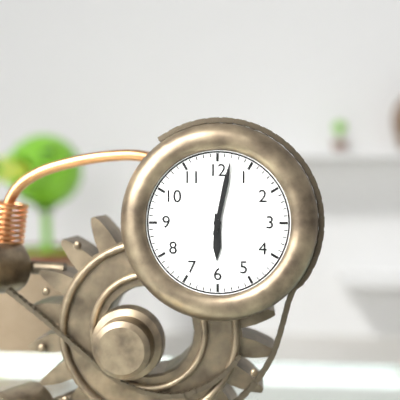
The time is 6h02
